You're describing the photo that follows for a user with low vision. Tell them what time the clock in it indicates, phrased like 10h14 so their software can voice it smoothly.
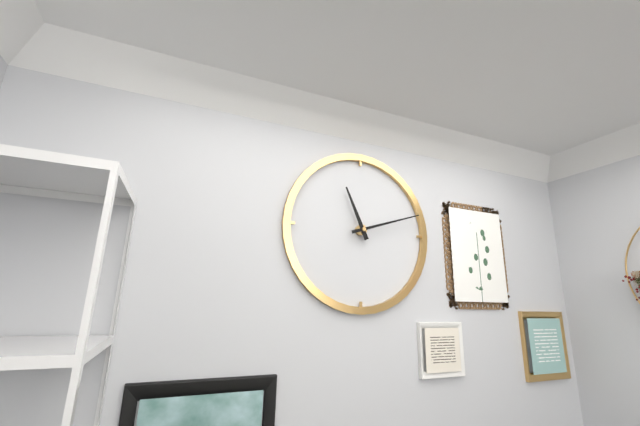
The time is 11h12
